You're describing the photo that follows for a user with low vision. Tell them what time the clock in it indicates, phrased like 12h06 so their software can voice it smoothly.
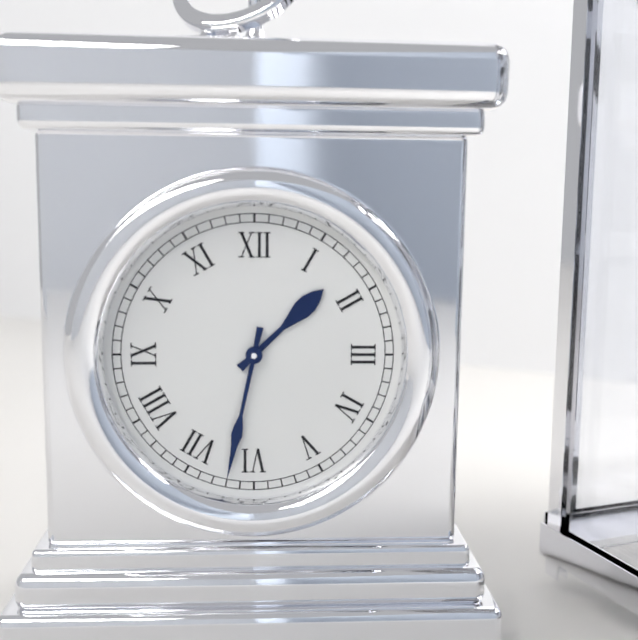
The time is 1h32
